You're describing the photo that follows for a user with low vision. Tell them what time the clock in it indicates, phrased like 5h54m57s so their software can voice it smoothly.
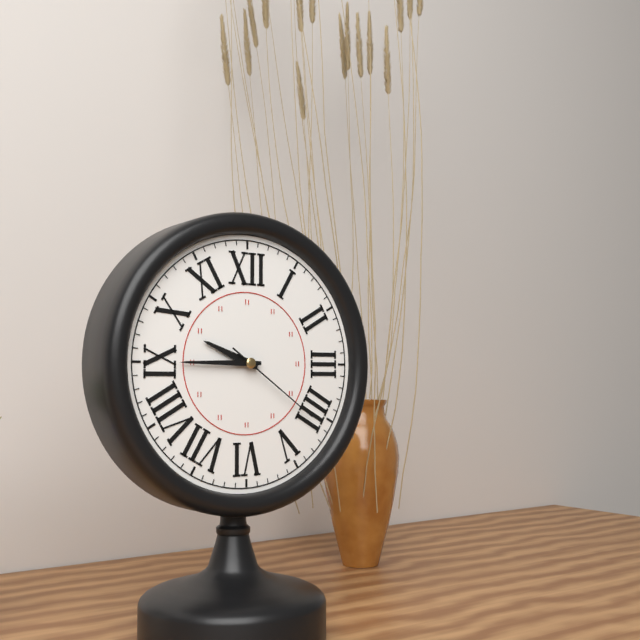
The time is 9h45m21s
